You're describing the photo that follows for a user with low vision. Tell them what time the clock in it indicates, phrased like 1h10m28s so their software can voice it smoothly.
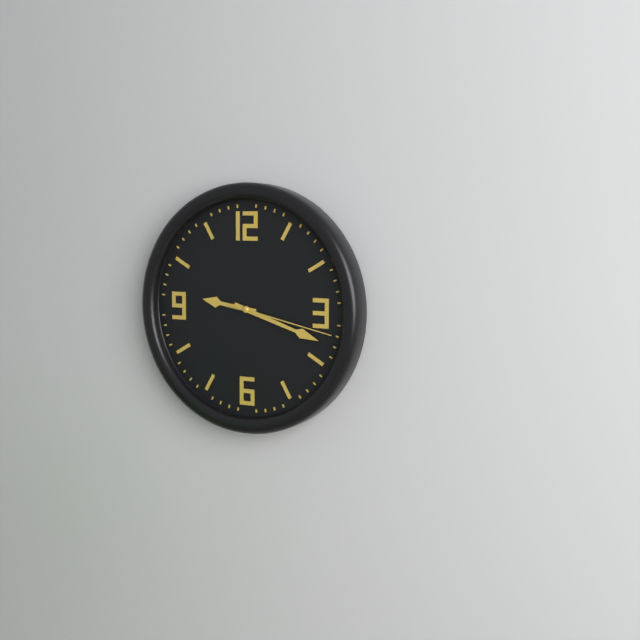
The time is 9h18m17s
